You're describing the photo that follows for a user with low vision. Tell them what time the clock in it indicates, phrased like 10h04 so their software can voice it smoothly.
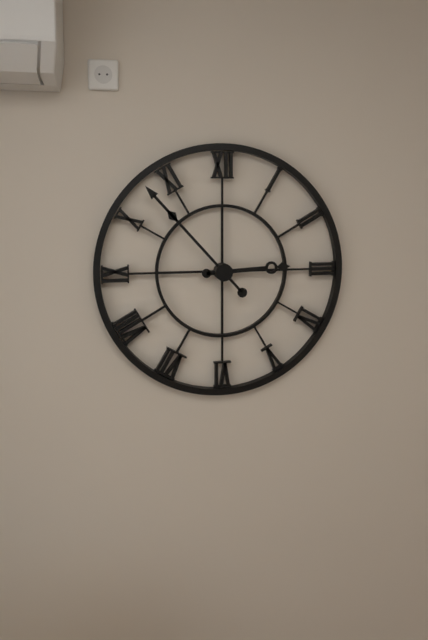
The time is 2h53
